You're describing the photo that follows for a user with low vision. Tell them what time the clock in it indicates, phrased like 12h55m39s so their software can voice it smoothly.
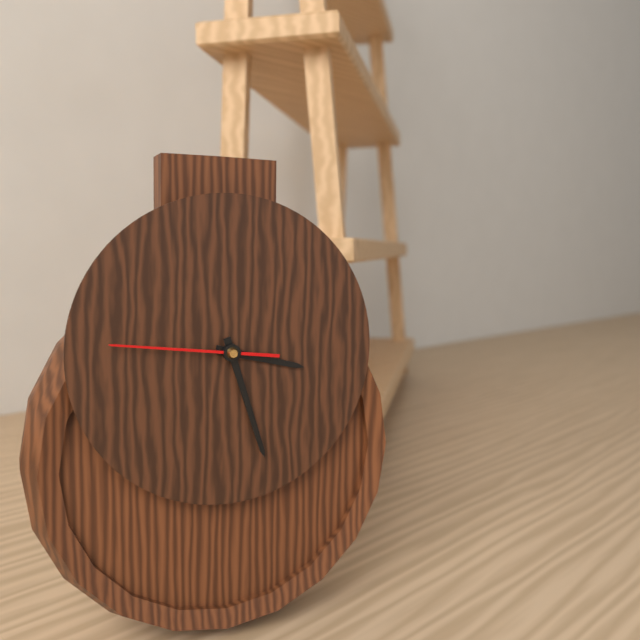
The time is 3h27m46s
